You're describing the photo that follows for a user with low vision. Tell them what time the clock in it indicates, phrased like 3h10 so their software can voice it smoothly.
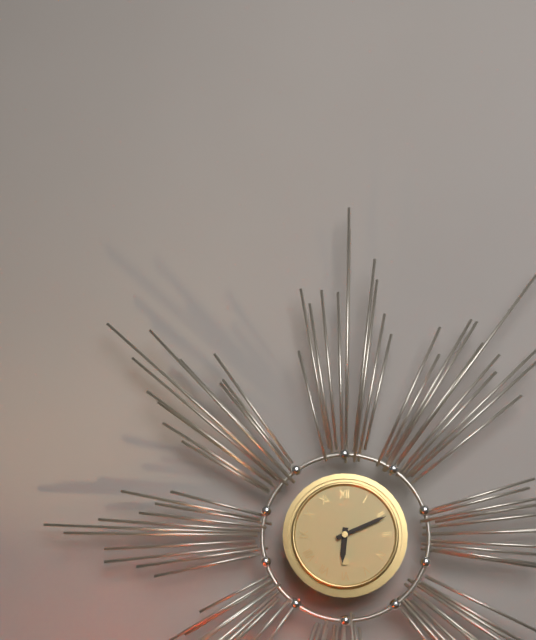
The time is 6h11
